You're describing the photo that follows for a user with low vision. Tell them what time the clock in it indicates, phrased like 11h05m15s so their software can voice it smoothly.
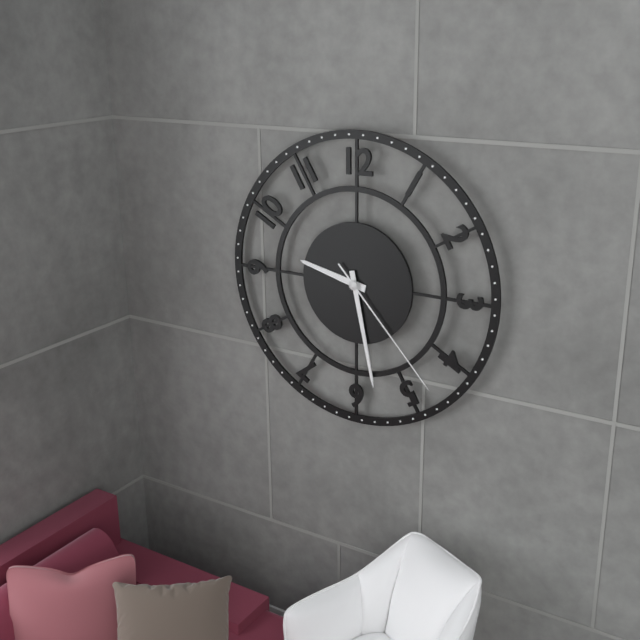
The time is 9h28m23s
